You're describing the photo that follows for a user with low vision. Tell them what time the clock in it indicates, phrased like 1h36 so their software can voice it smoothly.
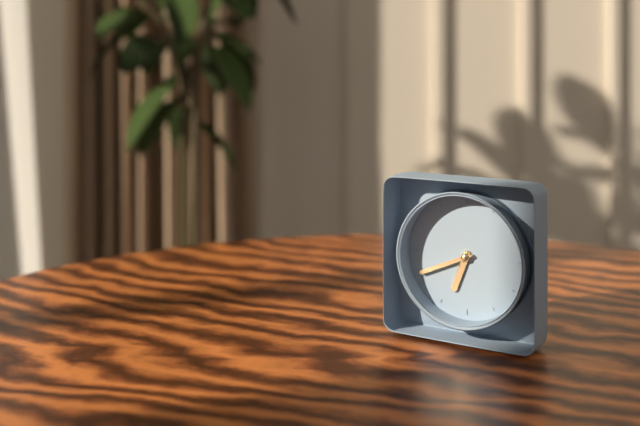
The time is 6h41
